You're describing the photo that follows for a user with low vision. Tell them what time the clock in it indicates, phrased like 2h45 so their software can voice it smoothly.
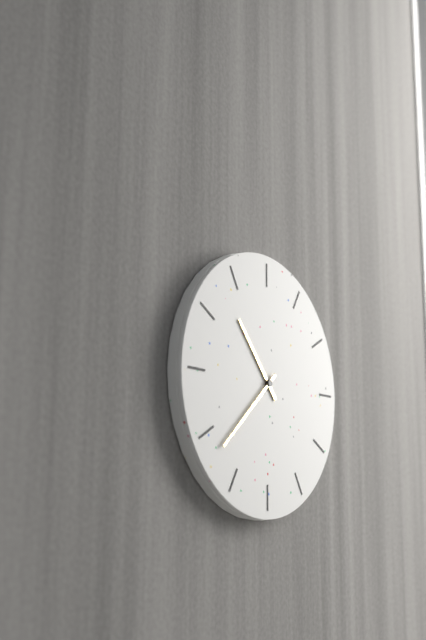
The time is 10h38
